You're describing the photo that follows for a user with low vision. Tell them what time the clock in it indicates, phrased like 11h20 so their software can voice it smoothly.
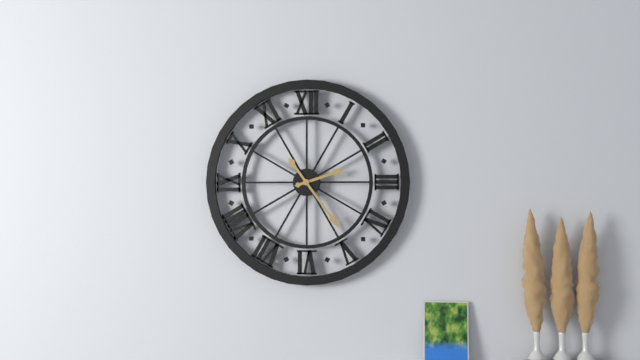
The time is 2h24
